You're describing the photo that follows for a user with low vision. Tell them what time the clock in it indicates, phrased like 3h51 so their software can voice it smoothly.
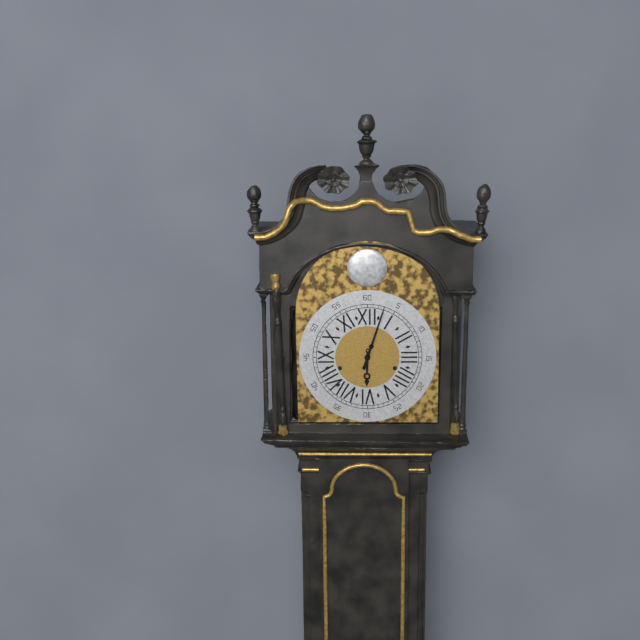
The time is 6h03
